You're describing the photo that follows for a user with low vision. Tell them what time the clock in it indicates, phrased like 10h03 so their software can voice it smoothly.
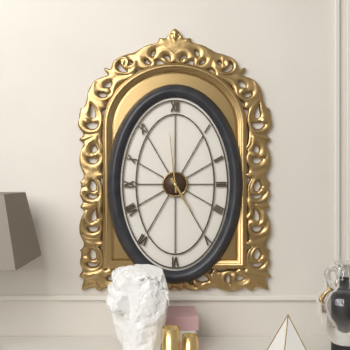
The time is 4h59
